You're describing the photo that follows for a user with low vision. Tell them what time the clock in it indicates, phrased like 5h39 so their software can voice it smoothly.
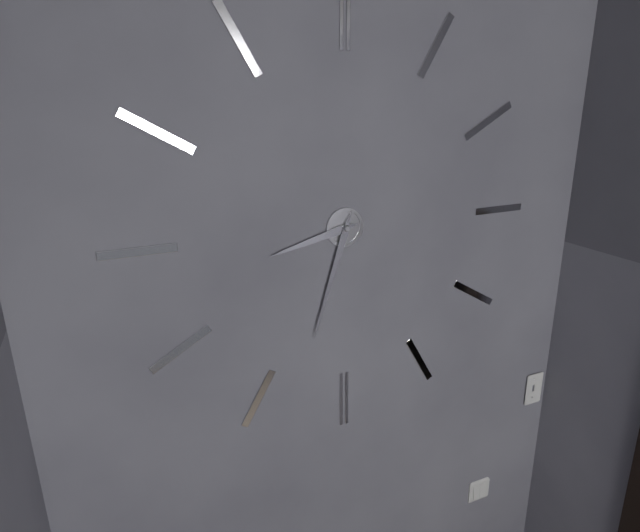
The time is 8h33
